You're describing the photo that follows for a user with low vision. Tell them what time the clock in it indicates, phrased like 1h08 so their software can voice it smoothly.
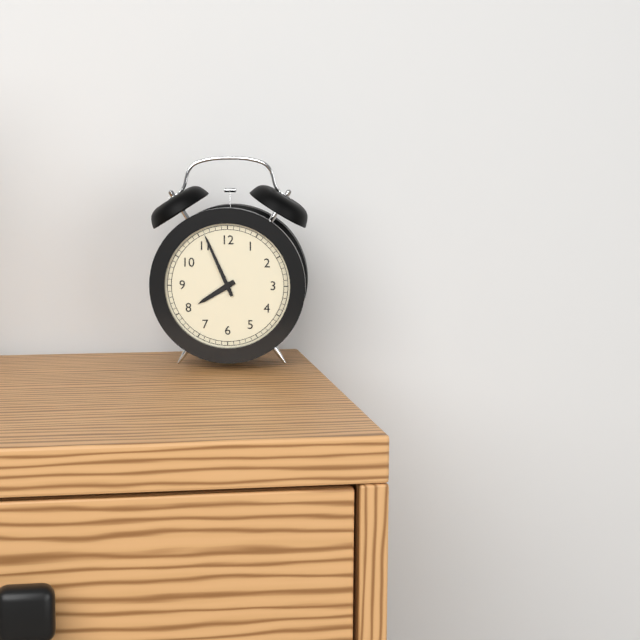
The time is 7h56
